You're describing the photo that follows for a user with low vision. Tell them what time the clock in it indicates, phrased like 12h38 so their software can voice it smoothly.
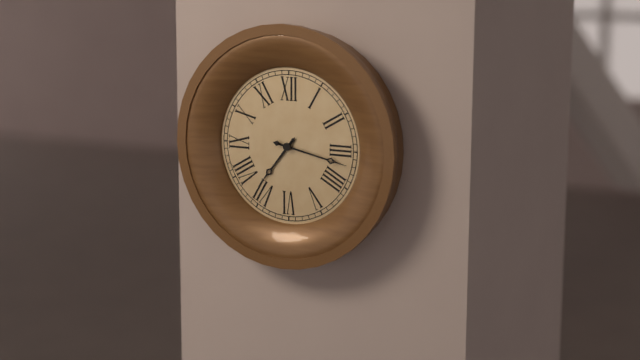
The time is 7h17
